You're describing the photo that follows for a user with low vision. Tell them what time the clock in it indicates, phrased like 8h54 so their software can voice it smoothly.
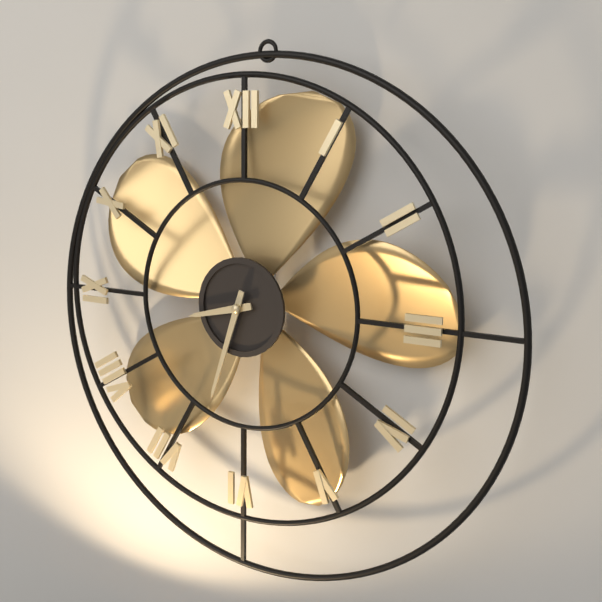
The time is 8h33
